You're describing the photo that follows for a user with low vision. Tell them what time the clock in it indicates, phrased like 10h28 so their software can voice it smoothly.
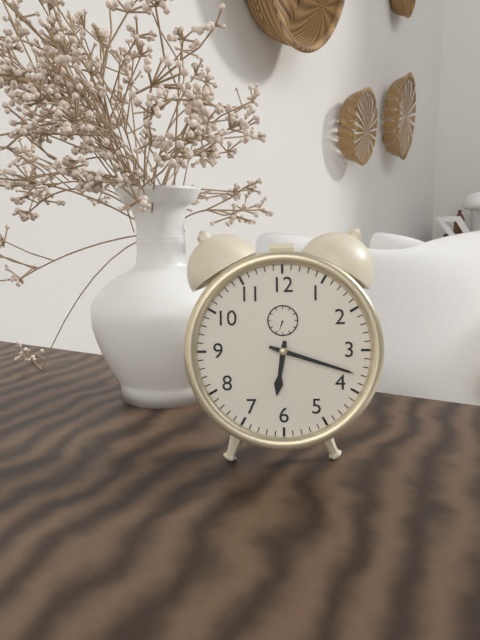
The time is 6h18
